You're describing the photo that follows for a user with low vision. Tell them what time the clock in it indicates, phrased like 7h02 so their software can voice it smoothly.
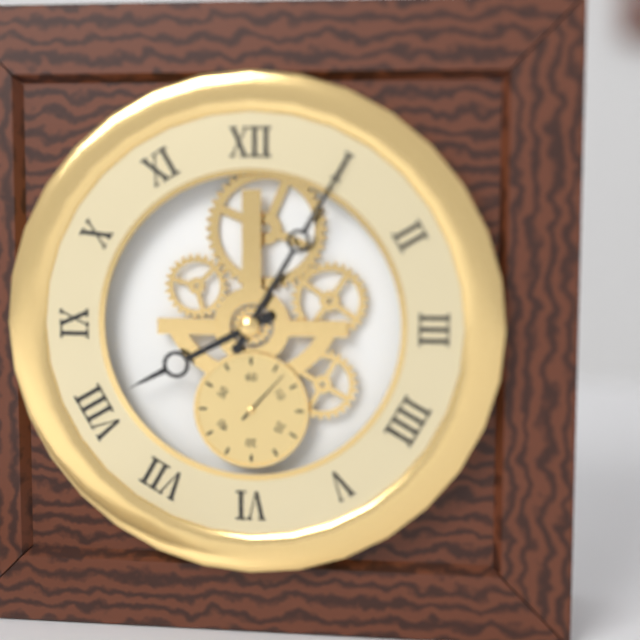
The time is 8h05
